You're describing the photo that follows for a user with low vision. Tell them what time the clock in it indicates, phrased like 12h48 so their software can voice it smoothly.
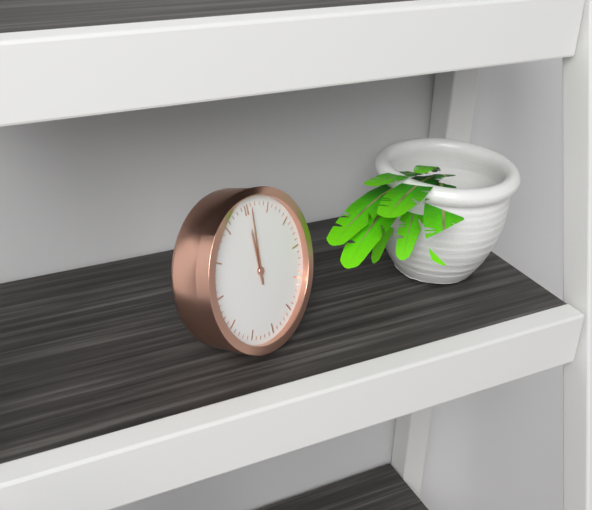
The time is 12h01
